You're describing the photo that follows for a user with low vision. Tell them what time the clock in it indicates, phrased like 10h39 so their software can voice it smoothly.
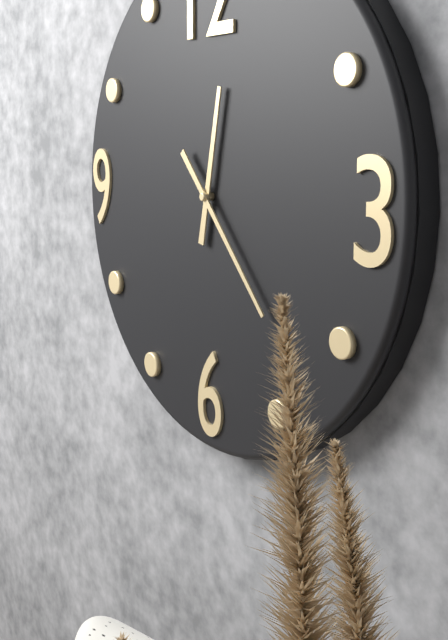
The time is 12h23
